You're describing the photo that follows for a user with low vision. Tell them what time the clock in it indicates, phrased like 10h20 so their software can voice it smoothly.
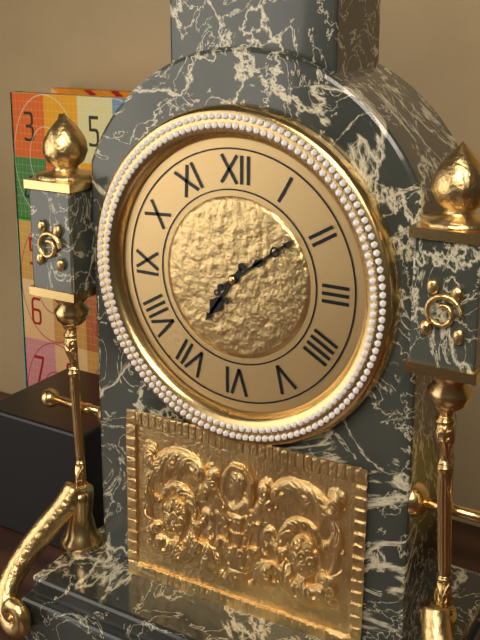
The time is 7h09
